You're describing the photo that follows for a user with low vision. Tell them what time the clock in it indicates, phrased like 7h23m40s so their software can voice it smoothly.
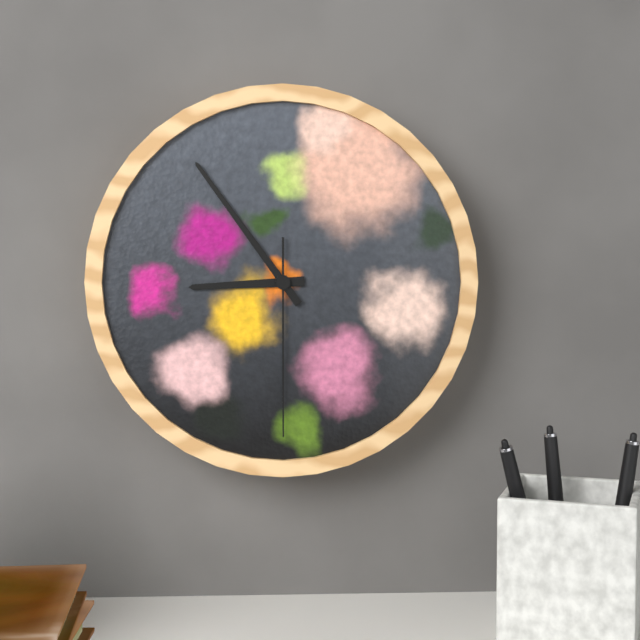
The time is 8h54m30s
